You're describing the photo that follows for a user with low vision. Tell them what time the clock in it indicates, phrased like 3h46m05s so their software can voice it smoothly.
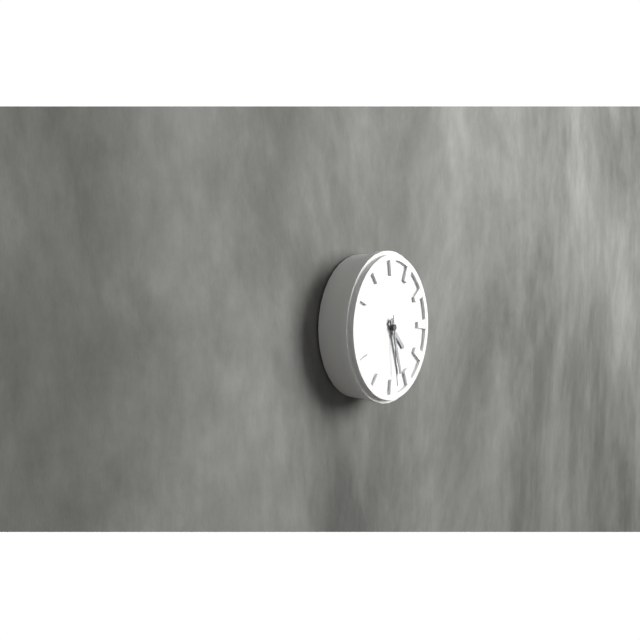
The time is 4h27m29s
